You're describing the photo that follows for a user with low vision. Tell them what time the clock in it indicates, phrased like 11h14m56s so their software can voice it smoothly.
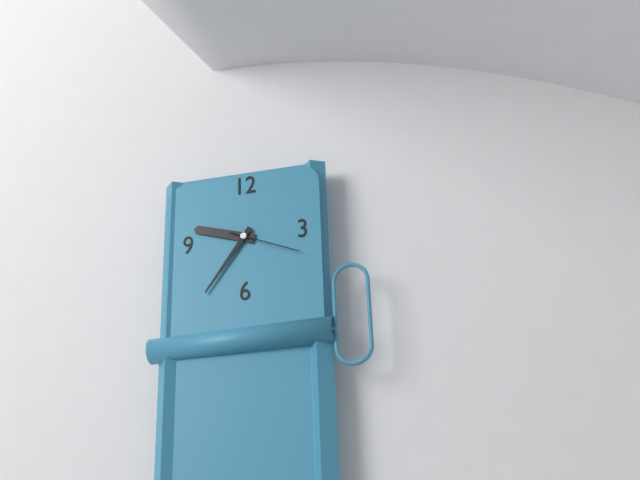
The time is 9h36m19s
